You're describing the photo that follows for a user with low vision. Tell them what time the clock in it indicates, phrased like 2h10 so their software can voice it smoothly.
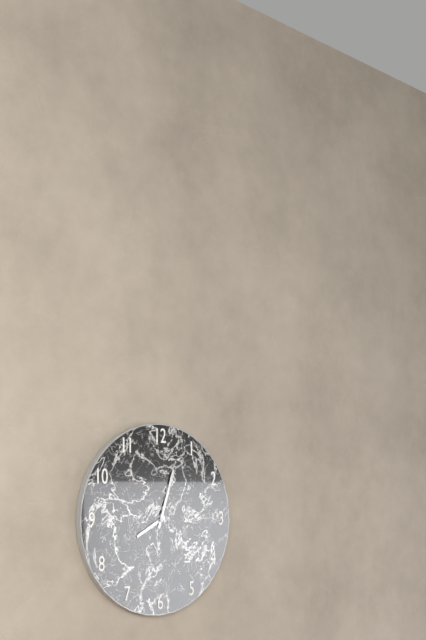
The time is 8h03
